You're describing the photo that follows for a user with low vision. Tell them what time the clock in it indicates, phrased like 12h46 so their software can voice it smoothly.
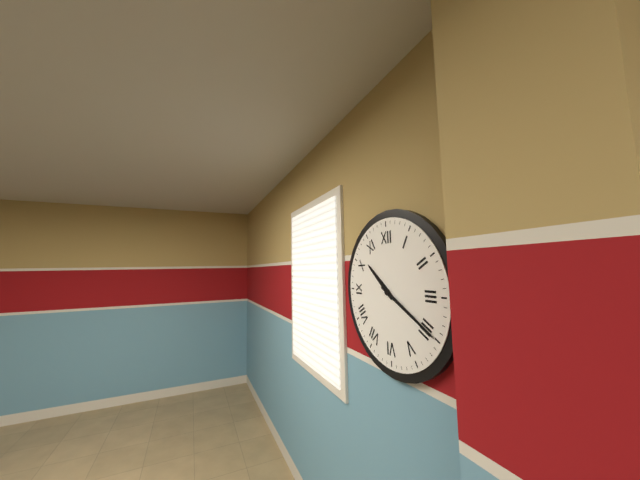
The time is 10h20
